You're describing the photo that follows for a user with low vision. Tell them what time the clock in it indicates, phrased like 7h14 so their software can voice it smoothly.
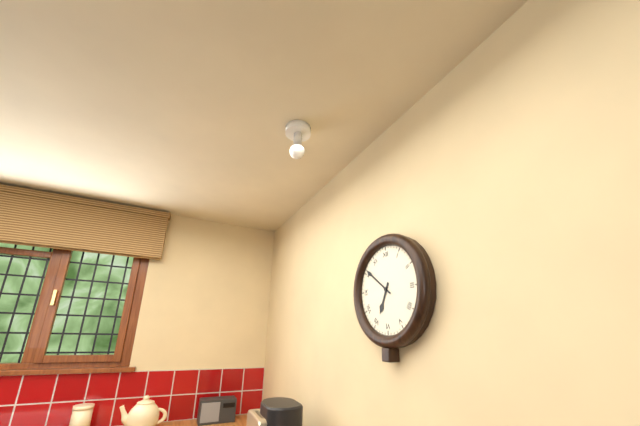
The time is 6h51
